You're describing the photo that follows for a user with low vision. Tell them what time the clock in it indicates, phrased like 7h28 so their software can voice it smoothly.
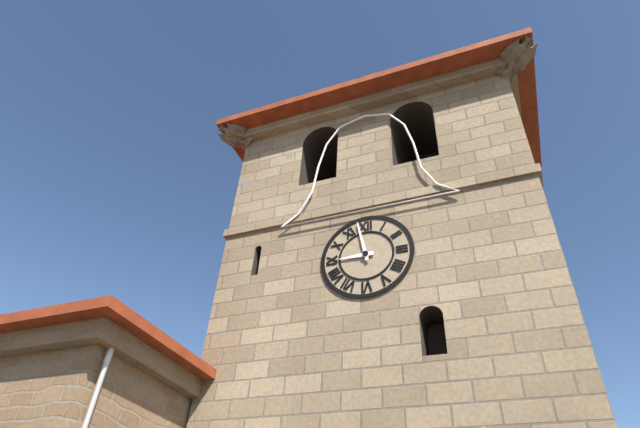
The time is 8h58
